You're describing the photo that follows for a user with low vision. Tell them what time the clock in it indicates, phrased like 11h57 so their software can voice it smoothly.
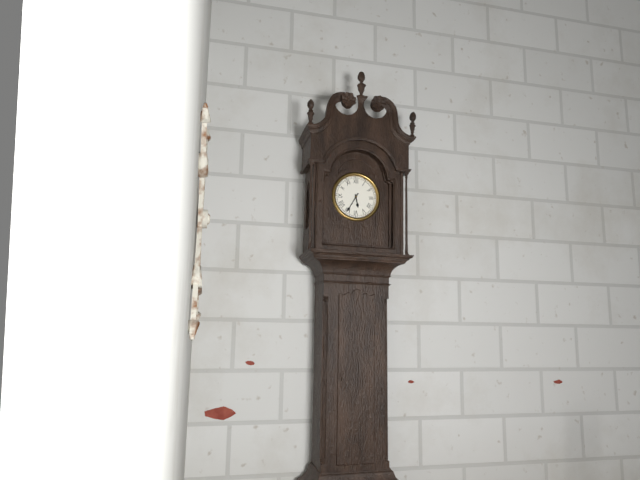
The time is 5h35
